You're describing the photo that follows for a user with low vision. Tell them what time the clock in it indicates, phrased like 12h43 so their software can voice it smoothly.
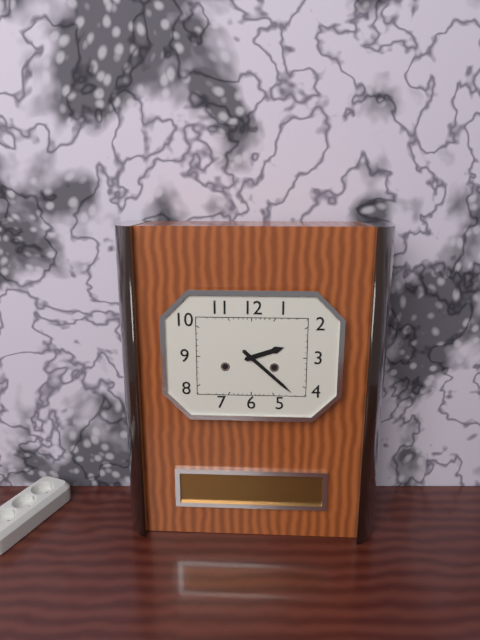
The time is 2h22
